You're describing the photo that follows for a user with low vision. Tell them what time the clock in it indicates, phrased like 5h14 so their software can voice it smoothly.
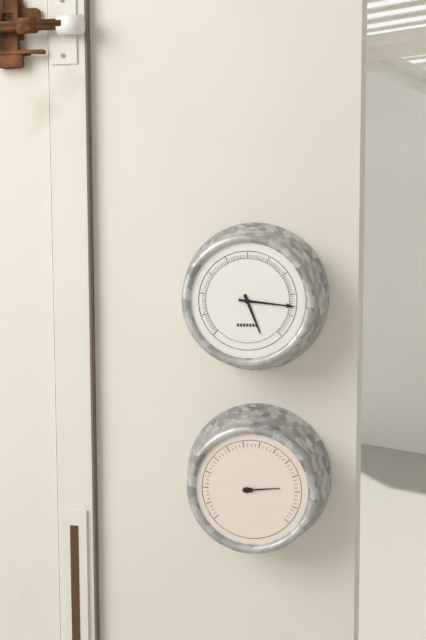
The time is 5h16
